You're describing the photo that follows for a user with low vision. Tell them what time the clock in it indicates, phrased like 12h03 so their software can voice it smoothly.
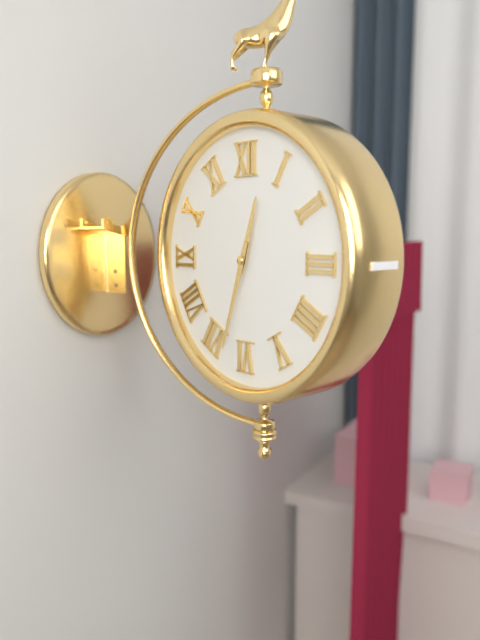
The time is 12h33
